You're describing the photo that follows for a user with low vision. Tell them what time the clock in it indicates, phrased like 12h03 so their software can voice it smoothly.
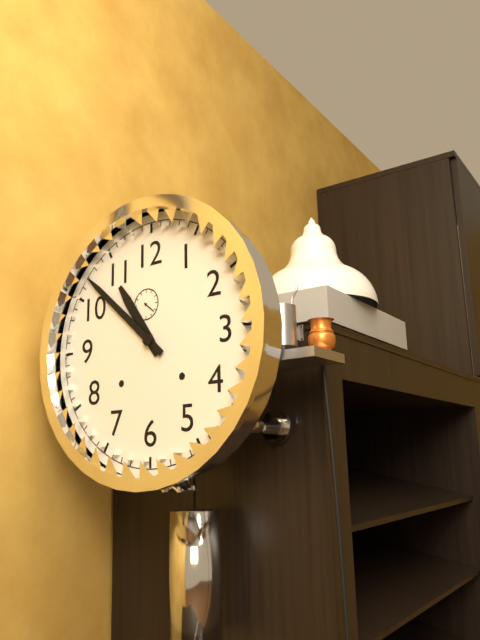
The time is 10h52
